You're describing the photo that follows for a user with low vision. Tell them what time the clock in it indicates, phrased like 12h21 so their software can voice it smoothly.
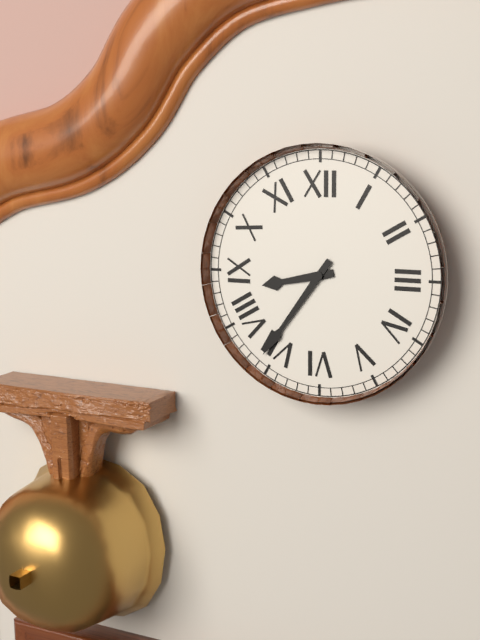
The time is 8h36
